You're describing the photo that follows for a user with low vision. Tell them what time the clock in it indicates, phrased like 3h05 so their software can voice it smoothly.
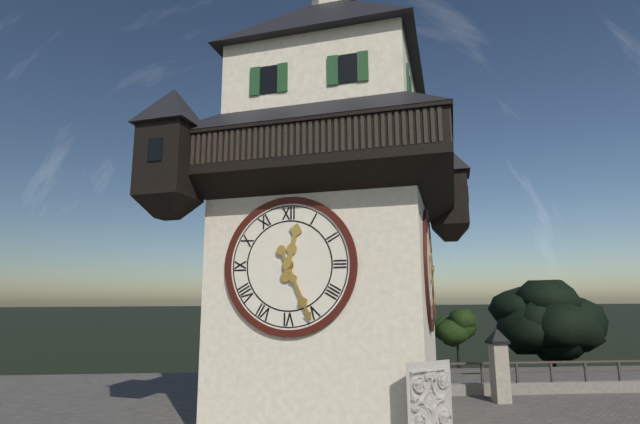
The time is 12h26
